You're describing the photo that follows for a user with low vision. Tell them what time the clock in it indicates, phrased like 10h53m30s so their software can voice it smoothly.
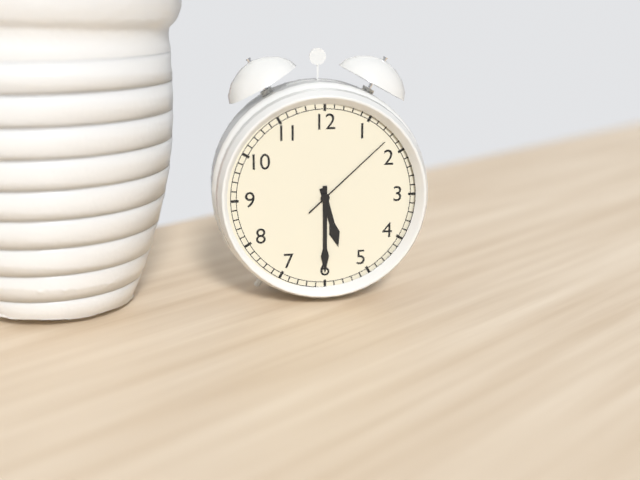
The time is 5h30m08s
